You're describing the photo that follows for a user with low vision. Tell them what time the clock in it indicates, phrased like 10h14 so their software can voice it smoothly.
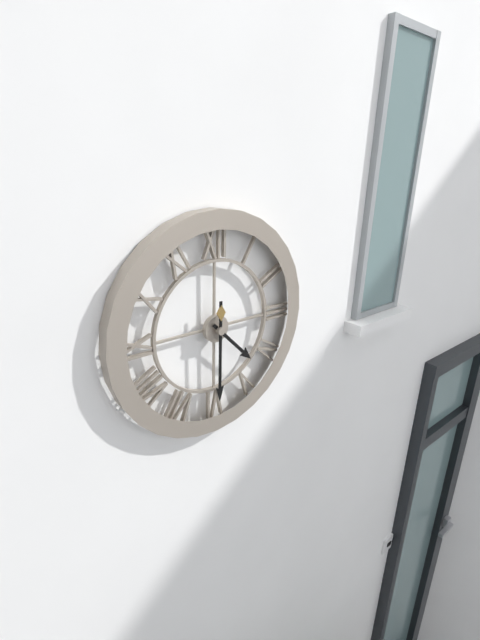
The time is 4h30
